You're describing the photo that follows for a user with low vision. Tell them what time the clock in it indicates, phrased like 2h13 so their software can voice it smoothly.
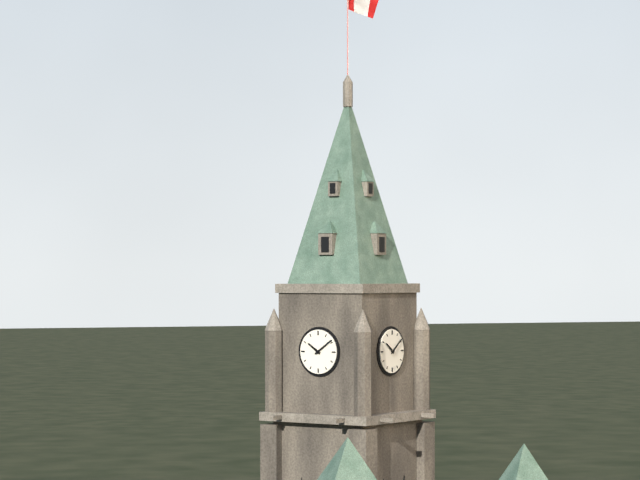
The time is 10h09
